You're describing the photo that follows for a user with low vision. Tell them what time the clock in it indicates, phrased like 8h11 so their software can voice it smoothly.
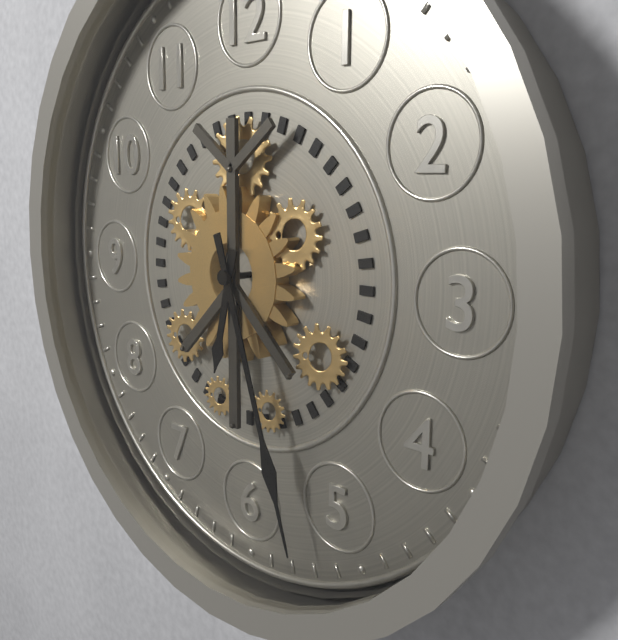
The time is 6h27
